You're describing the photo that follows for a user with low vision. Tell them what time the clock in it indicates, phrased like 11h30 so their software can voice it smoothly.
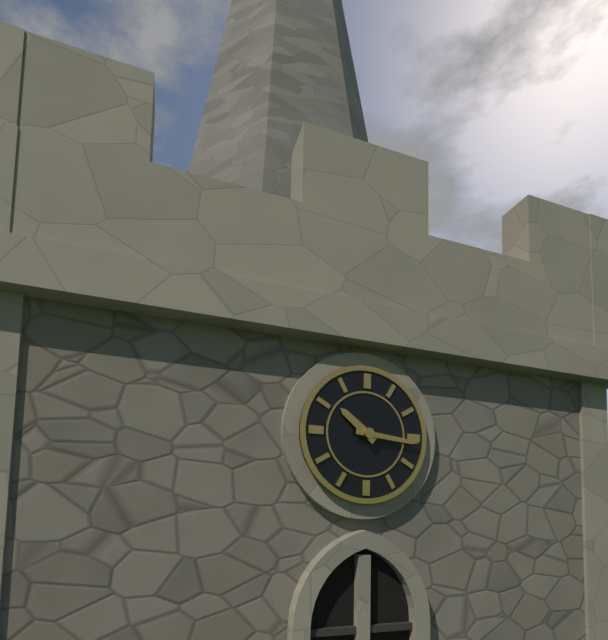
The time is 10h16
